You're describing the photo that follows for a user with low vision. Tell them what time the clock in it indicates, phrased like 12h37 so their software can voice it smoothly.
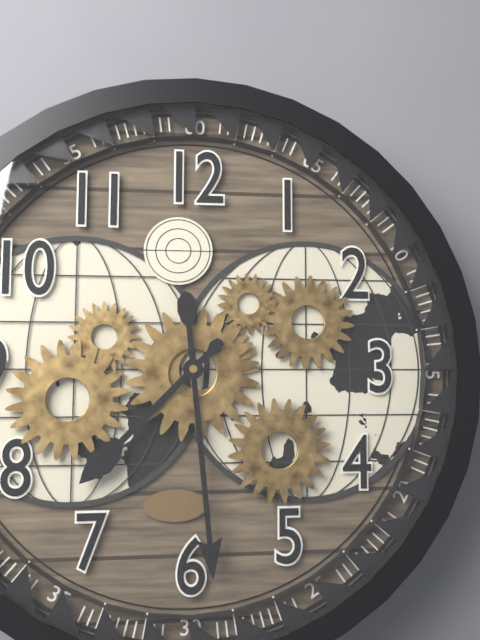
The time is 7h29
